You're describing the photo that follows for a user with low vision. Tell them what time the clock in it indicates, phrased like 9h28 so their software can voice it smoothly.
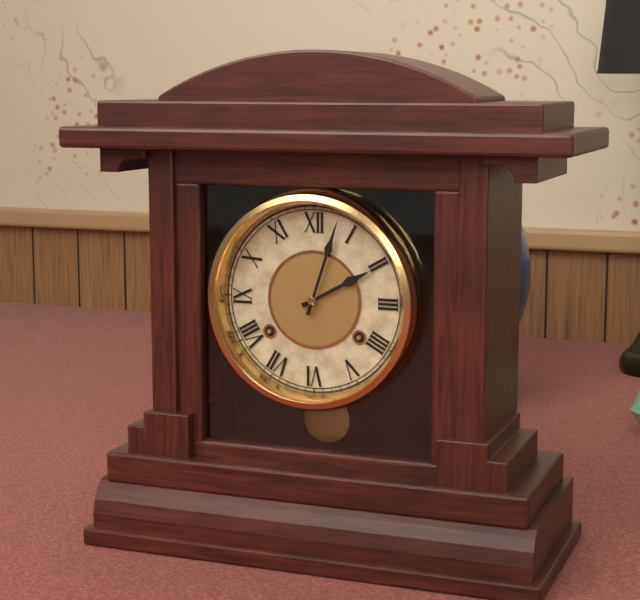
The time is 2h03
